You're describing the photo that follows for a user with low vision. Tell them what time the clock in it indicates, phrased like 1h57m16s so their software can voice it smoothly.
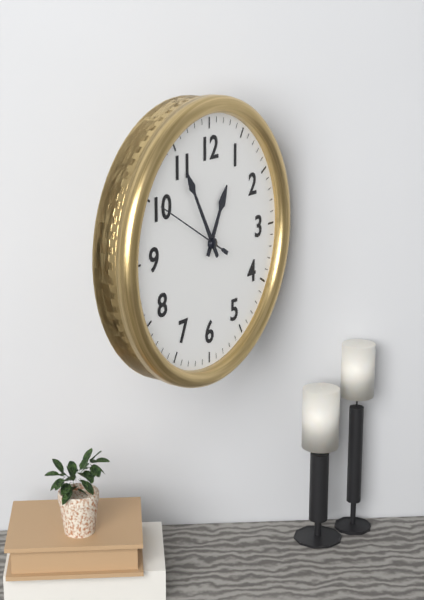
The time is 12h55m50s
